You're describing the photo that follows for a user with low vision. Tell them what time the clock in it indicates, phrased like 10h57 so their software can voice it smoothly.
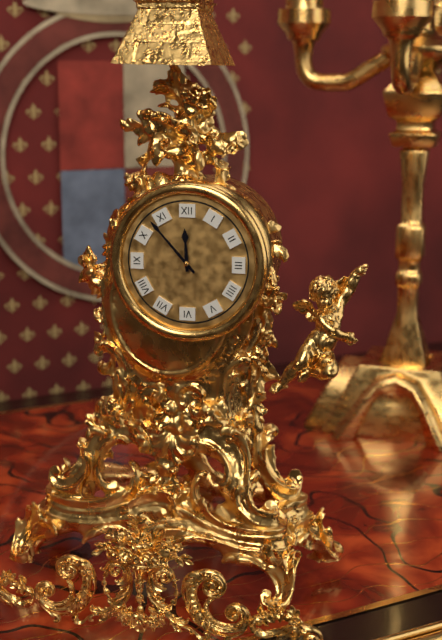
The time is 11h53
